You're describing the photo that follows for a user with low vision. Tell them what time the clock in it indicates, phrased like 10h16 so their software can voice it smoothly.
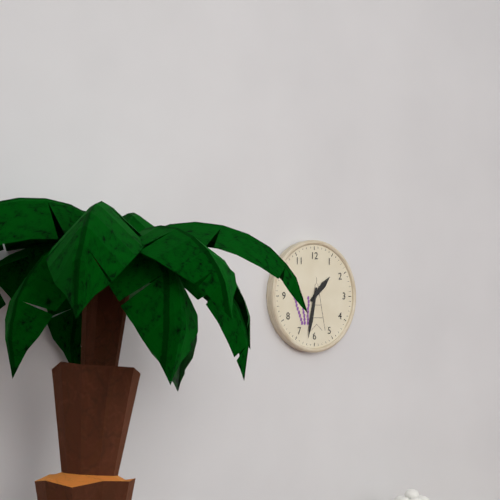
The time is 1h32
